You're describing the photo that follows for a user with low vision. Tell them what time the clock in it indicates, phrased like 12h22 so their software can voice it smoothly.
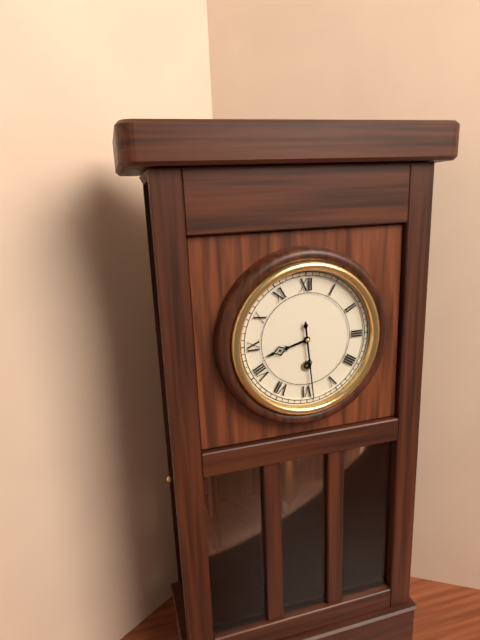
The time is 8h29
